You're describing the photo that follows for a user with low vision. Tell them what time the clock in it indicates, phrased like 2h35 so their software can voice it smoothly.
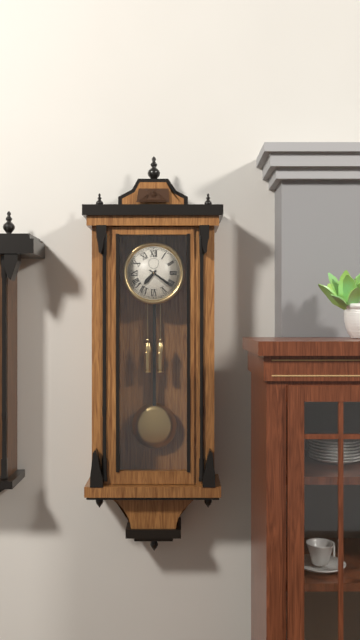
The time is 7h21
